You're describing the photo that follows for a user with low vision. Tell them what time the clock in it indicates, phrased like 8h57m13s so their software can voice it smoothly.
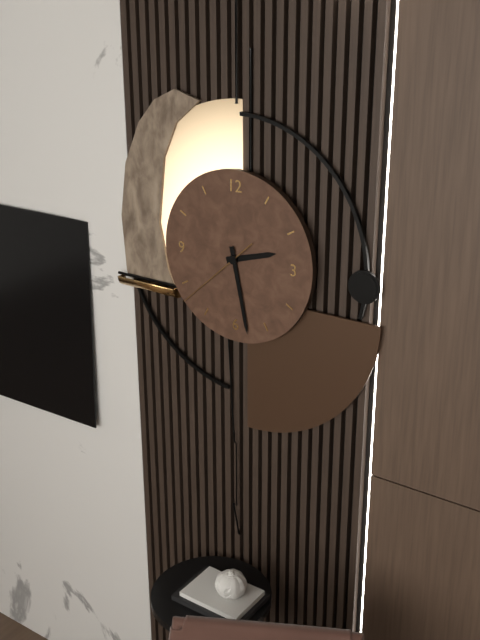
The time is 2h28m38s
